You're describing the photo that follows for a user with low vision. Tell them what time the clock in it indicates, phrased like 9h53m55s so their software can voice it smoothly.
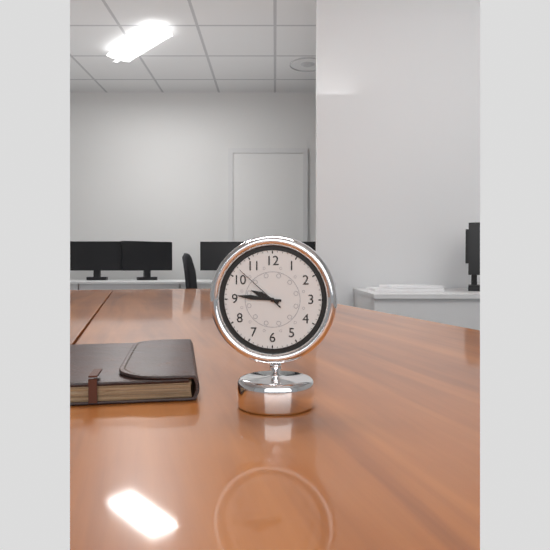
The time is 9h46m52s
